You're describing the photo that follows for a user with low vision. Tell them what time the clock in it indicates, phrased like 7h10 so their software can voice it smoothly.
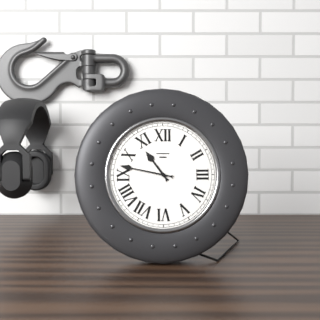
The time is 10h47
